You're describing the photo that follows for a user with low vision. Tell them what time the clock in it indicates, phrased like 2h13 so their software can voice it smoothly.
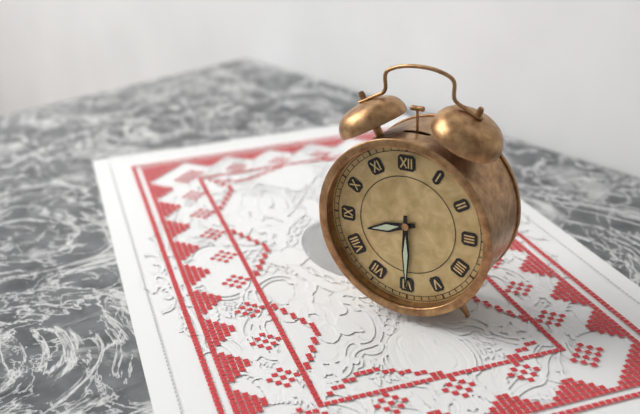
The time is 8h30
